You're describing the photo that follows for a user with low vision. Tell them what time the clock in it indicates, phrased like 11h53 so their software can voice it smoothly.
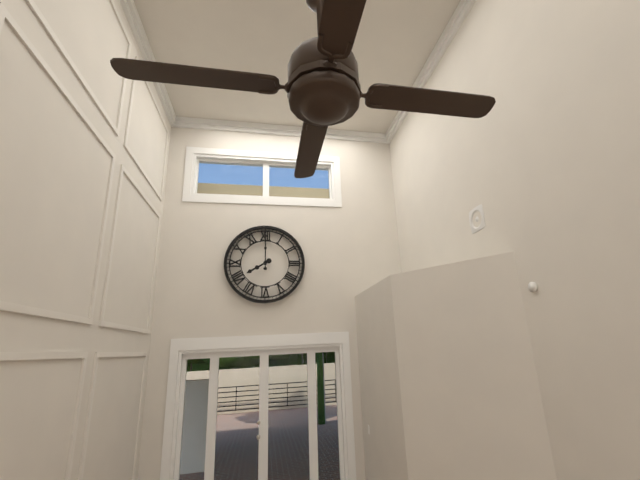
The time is 8h00
